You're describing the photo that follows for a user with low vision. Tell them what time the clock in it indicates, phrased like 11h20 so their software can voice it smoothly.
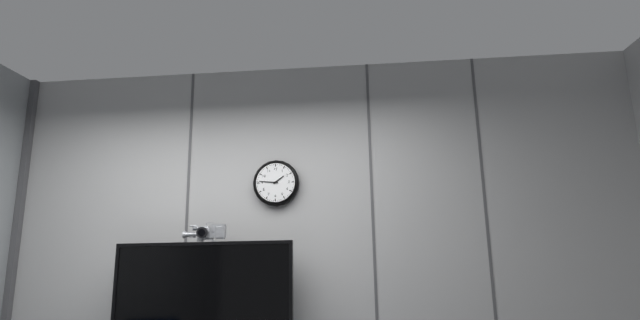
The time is 1h46
